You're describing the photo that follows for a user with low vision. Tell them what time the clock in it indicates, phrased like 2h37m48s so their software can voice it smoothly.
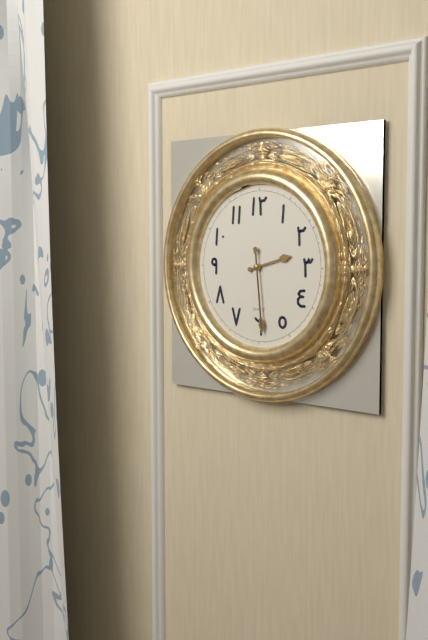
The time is 2h29m29s
